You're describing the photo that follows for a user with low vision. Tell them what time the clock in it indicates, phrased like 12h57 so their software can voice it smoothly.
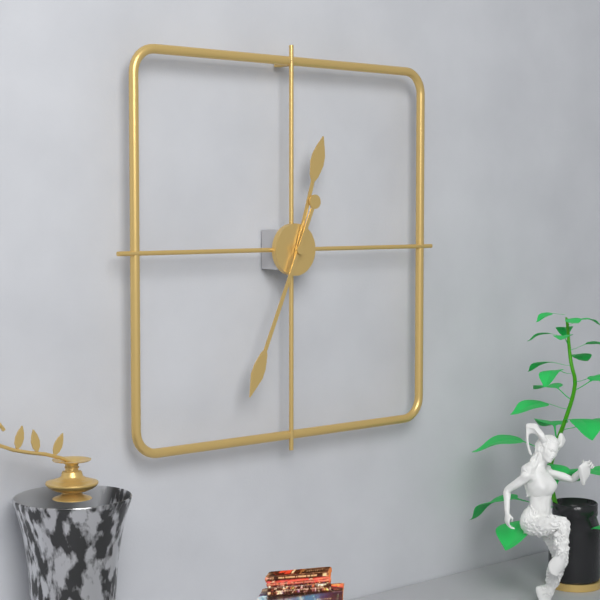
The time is 12h34
